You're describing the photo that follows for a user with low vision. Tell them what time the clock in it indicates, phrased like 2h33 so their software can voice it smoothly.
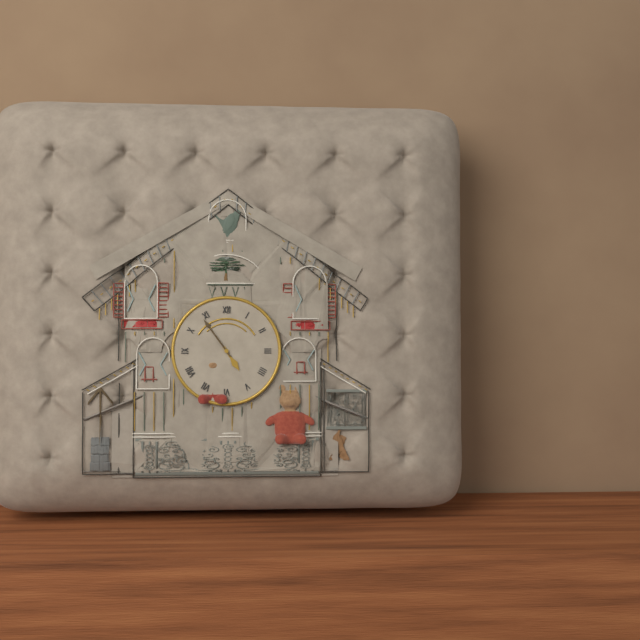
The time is 4h54
